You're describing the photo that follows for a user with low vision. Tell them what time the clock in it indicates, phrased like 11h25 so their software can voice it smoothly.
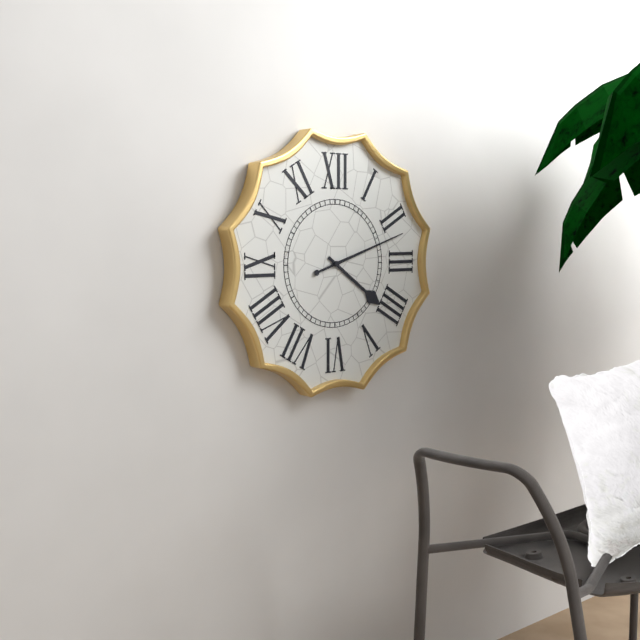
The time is 4h12
